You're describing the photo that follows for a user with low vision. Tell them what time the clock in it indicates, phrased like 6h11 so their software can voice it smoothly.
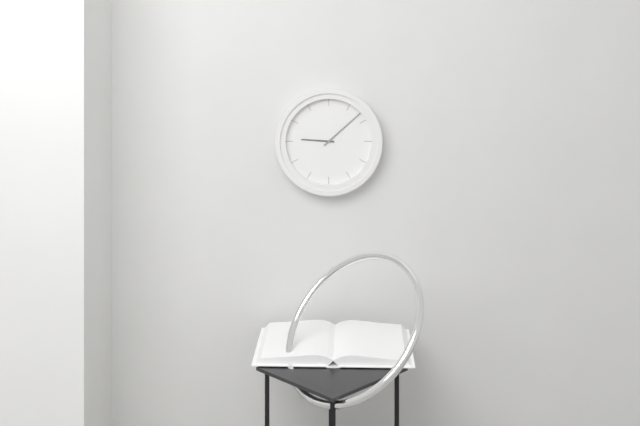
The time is 9h08
